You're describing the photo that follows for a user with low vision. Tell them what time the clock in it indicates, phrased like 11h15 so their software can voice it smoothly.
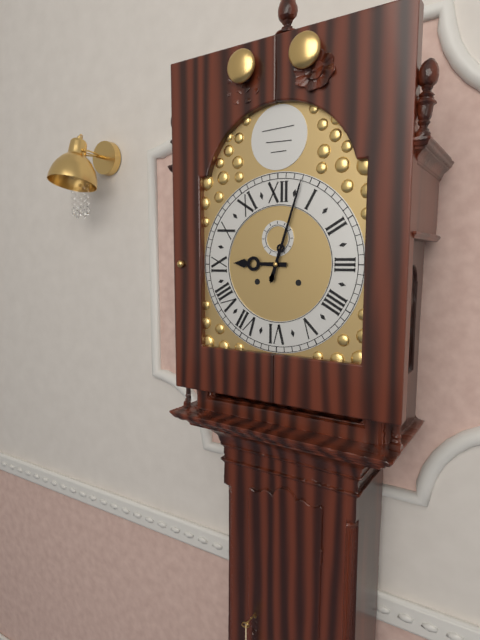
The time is 9h03
